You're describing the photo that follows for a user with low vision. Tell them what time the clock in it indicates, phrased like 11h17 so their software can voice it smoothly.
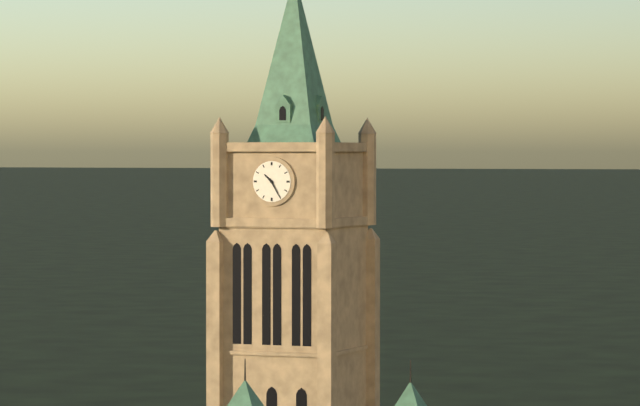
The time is 10h25
